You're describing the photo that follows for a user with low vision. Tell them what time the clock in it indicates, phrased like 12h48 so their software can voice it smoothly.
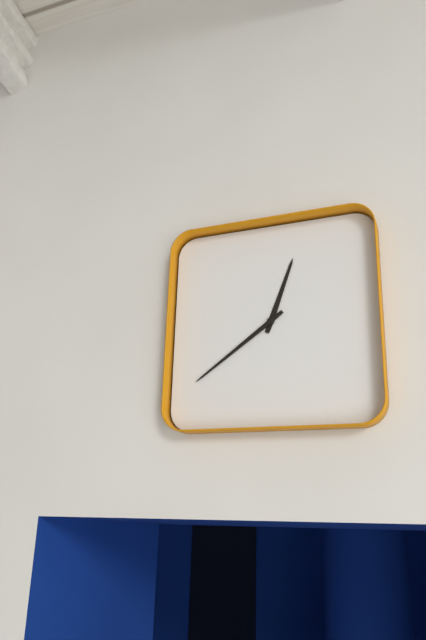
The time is 12h39
